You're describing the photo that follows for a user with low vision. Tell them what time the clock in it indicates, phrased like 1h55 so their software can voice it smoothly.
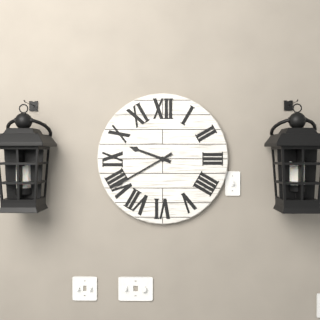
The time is 9h40
